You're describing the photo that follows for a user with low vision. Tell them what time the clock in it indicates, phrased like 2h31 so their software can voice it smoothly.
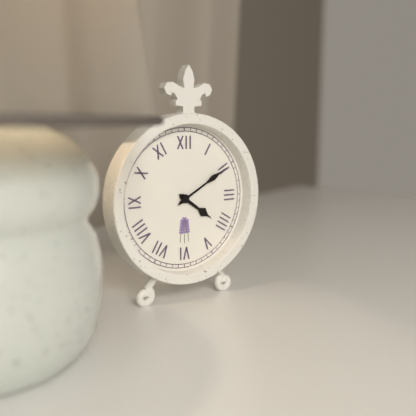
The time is 4h10
